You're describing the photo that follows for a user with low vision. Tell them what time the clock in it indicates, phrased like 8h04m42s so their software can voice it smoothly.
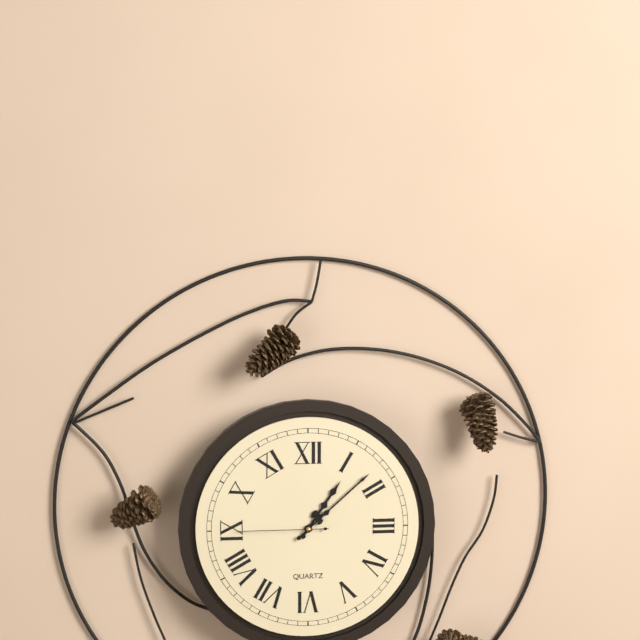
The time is 1h08m45s
